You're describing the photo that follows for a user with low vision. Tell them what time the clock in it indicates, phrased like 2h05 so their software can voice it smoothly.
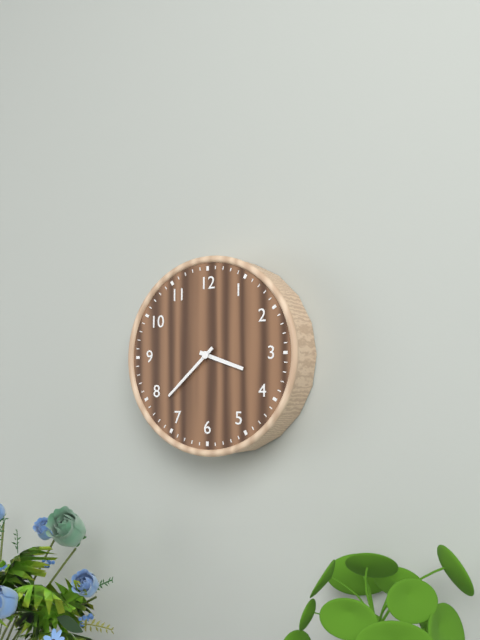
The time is 3h38
